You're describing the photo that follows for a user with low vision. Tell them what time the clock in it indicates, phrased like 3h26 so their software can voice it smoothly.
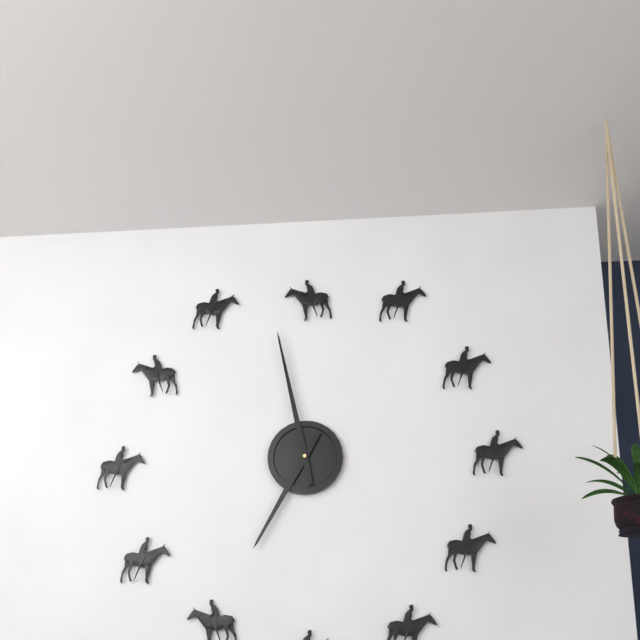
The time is 6h58
